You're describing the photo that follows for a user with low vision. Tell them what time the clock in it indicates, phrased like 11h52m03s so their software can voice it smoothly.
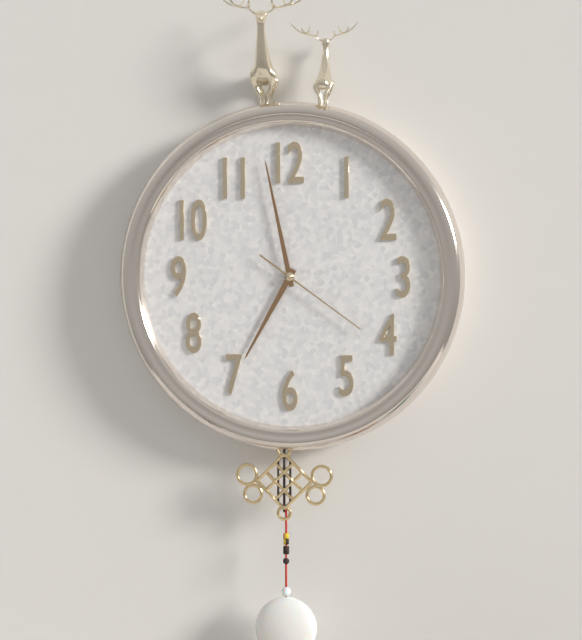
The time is 6h58m21s
